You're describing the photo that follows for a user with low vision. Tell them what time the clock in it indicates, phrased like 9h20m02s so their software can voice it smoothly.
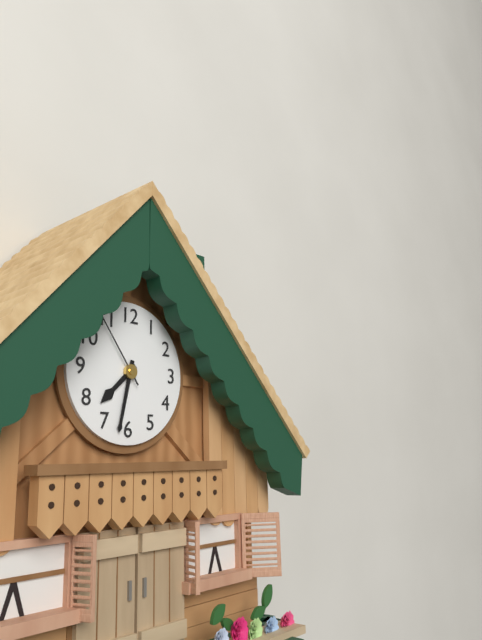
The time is 7h32m54s
